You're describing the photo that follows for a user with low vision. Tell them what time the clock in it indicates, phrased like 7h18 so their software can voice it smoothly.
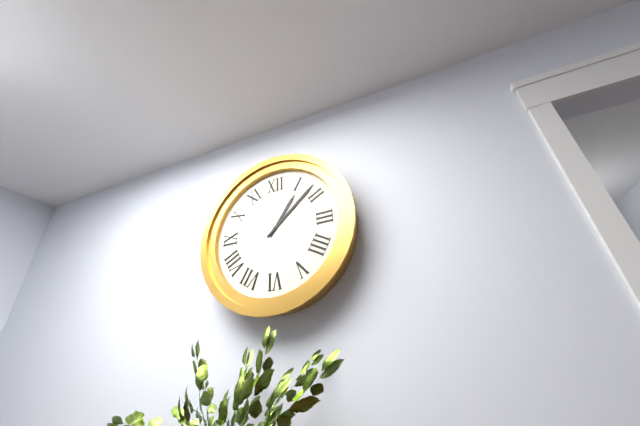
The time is 1h08
